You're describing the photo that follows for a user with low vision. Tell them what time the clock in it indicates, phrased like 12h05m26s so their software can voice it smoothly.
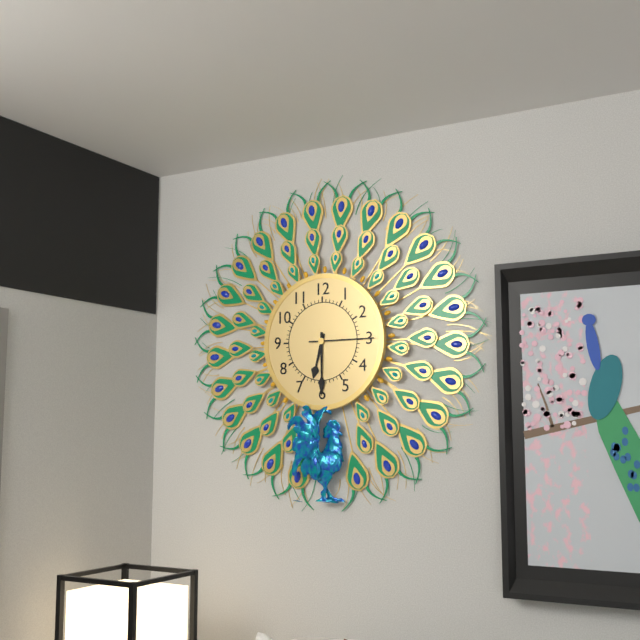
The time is 6h30m15s
